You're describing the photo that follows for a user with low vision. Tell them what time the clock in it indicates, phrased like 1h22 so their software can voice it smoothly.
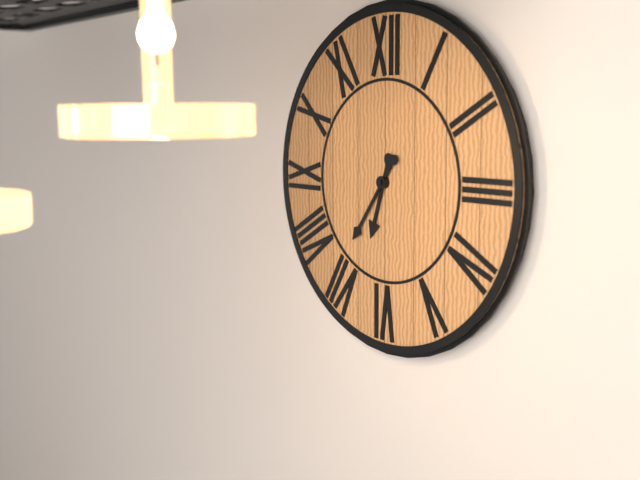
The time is 6h36
